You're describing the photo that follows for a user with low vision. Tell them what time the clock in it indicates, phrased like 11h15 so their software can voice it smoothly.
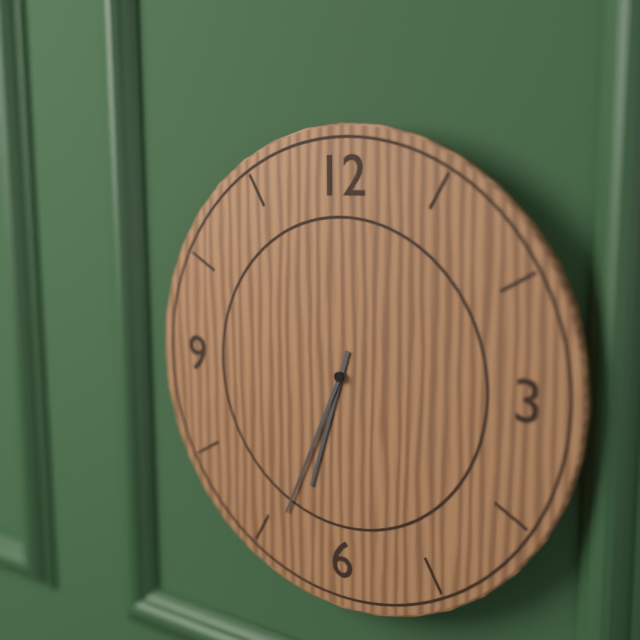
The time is 6h34
